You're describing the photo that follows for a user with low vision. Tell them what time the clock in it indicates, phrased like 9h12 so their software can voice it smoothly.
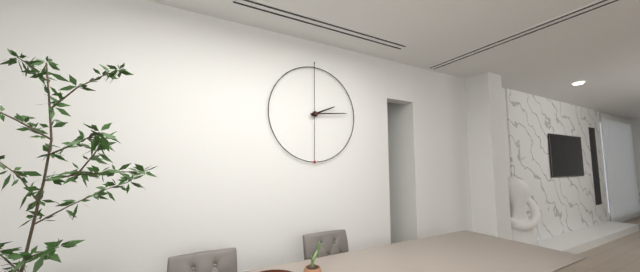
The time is 2h14
